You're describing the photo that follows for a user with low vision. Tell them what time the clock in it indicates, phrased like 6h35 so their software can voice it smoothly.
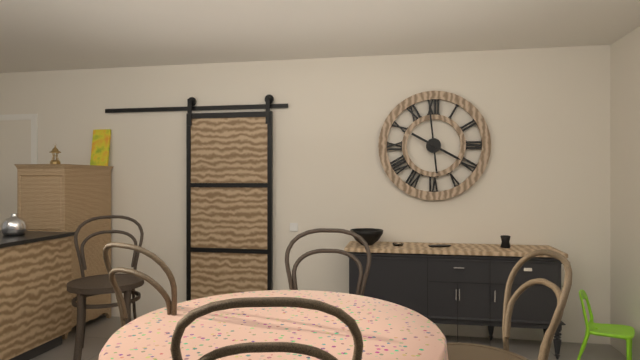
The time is 3h59
